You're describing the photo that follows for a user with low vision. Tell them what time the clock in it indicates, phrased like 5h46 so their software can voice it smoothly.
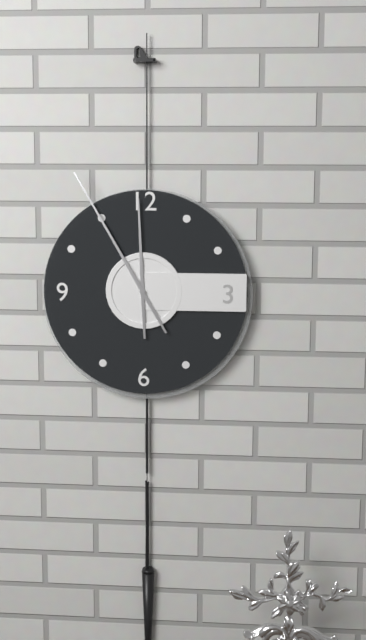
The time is 11h55
